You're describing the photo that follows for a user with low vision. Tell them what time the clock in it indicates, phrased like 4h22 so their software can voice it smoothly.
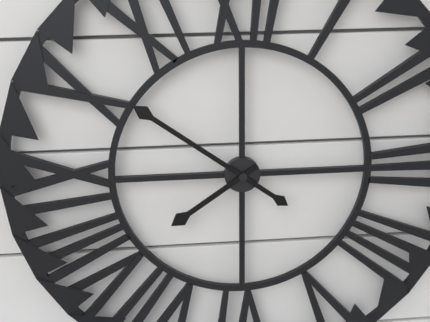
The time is 7h51
